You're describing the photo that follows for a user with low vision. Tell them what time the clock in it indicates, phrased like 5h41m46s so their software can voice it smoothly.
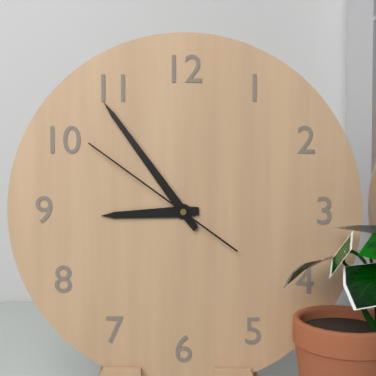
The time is 8h54m51s
